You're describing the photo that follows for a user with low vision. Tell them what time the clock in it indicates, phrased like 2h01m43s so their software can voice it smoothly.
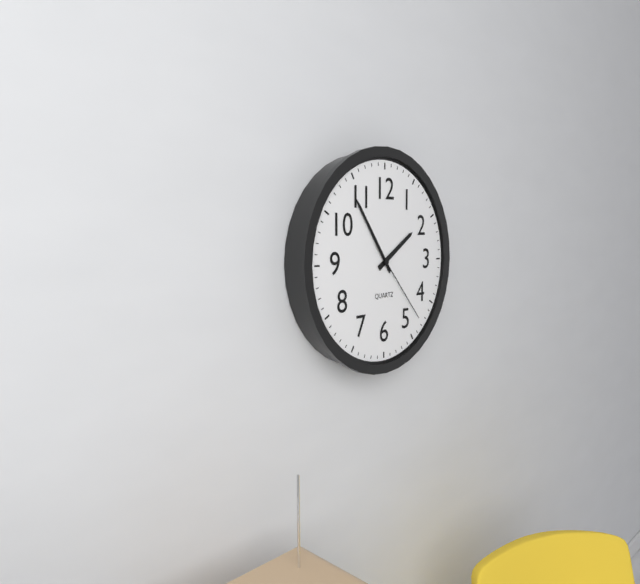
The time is 1h54m23s
